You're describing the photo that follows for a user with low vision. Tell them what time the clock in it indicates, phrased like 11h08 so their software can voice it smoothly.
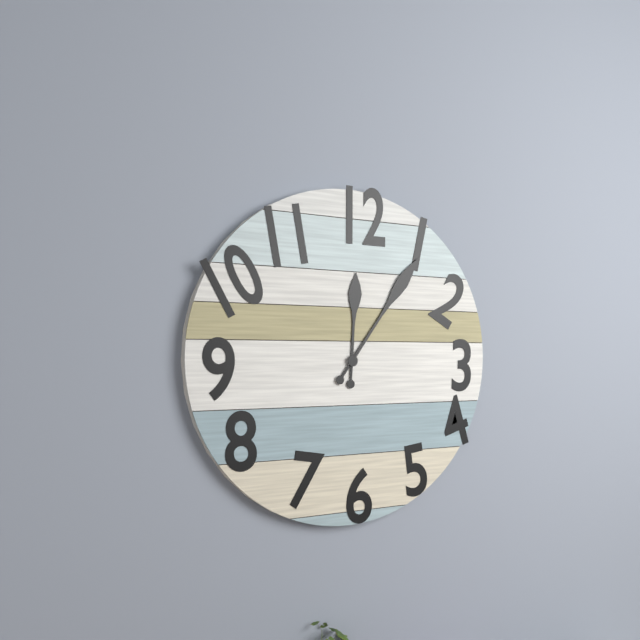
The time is 12h06
